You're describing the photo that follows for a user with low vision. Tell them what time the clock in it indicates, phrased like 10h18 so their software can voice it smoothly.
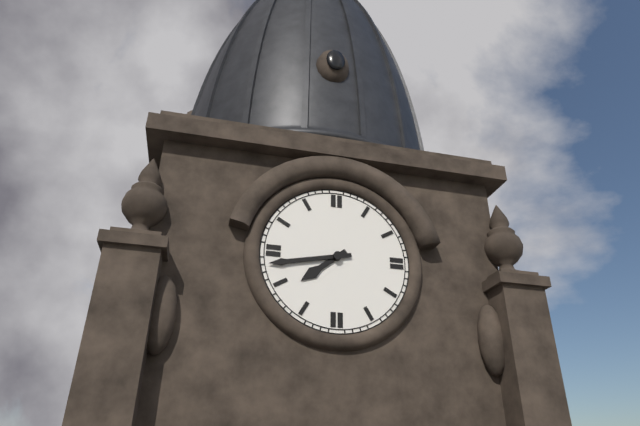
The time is 7h43
